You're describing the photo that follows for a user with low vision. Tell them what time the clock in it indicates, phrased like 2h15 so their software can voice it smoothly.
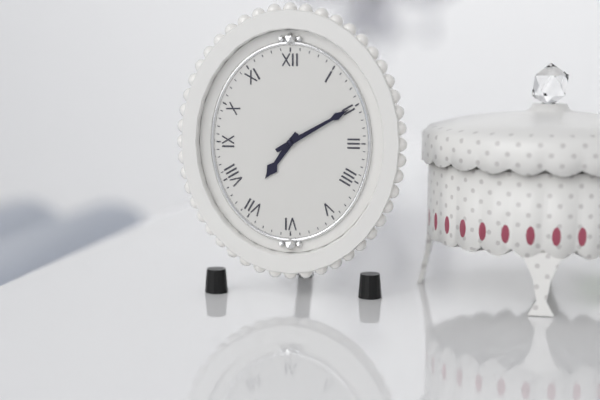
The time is 7h10
